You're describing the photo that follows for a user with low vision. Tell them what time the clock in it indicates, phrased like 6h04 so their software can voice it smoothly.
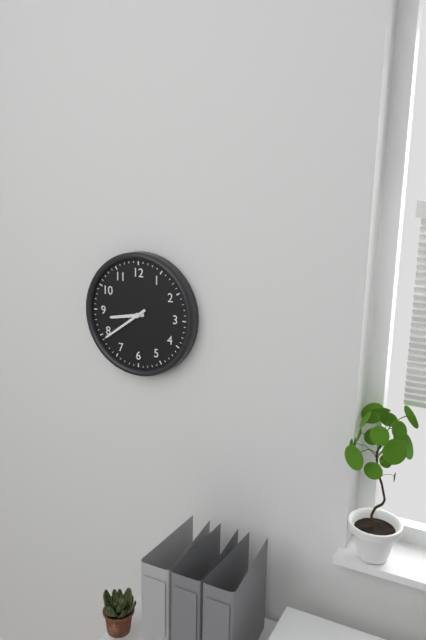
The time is 8h39
